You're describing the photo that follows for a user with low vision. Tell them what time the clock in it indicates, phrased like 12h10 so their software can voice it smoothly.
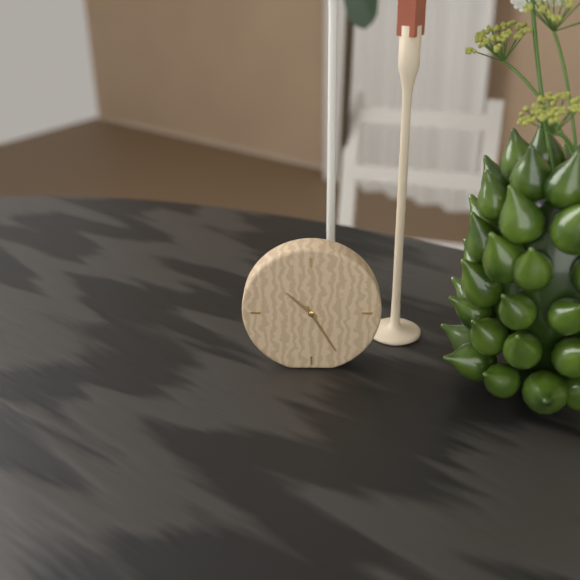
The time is 10h25
